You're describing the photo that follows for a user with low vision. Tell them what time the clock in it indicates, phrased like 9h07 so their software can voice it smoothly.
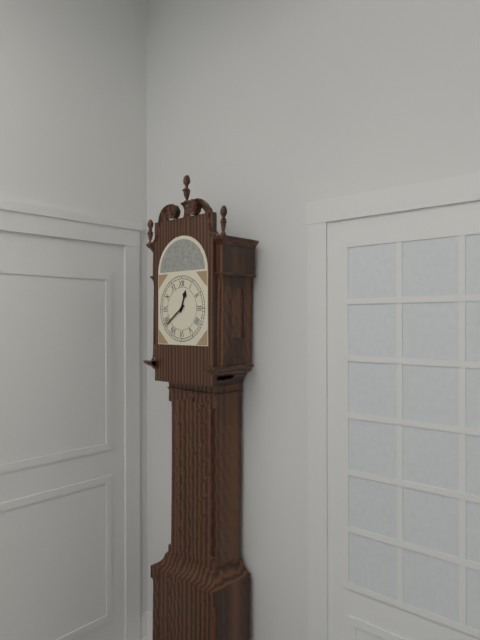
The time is 12h39
